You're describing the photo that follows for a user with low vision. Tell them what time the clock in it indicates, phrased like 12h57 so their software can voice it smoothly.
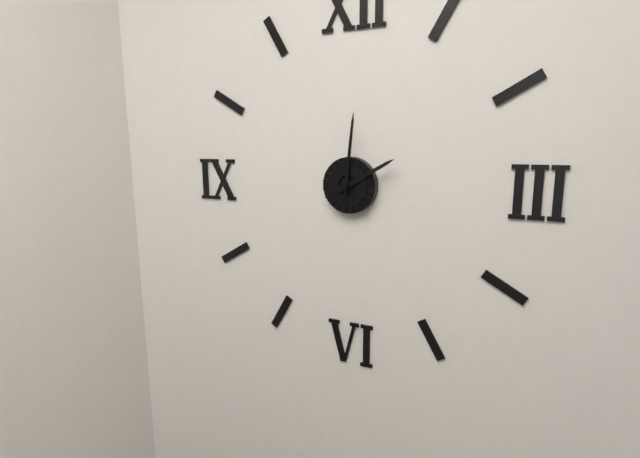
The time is 2h01
